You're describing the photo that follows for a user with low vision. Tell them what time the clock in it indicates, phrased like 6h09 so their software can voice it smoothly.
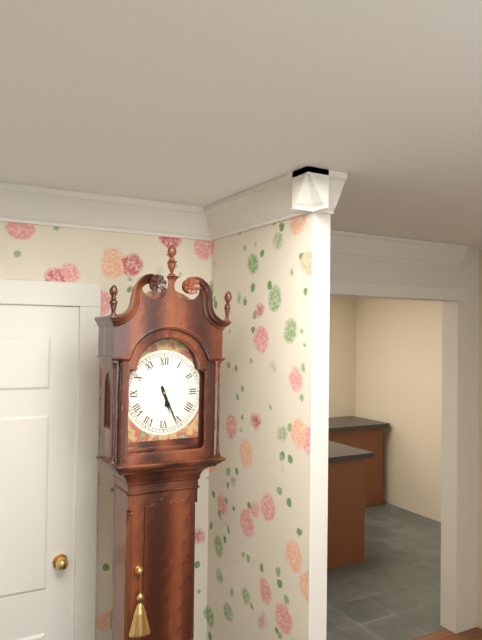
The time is 5h26
